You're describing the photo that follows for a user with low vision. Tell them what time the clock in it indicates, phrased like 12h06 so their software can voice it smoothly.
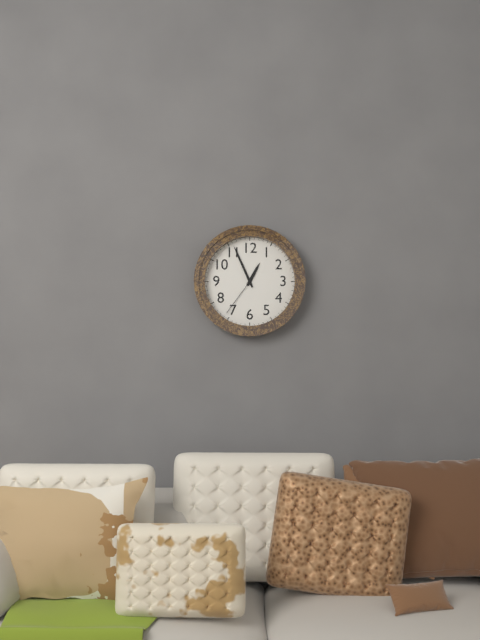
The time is 12h56
